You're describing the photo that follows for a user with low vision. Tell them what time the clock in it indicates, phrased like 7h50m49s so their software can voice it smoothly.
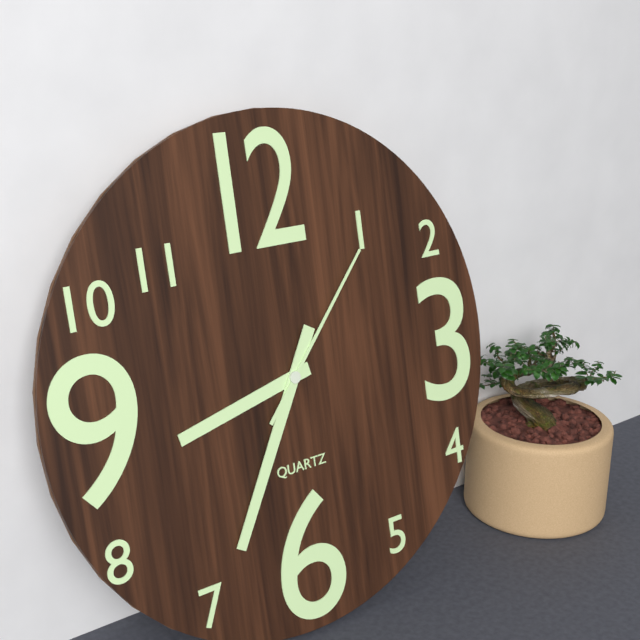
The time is 8h35m07s
